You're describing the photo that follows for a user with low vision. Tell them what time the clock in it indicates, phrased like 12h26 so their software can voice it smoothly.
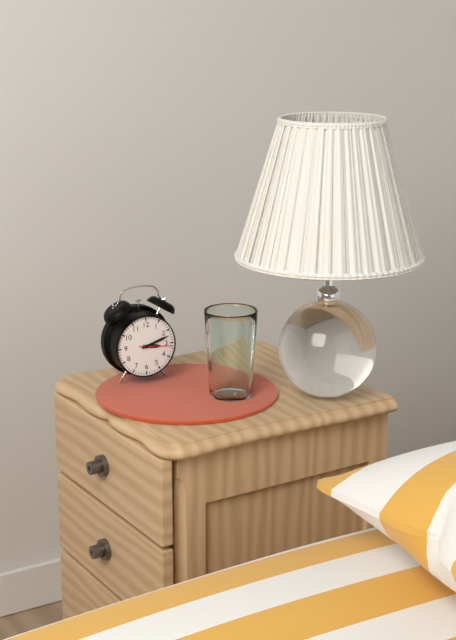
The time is 3h12
